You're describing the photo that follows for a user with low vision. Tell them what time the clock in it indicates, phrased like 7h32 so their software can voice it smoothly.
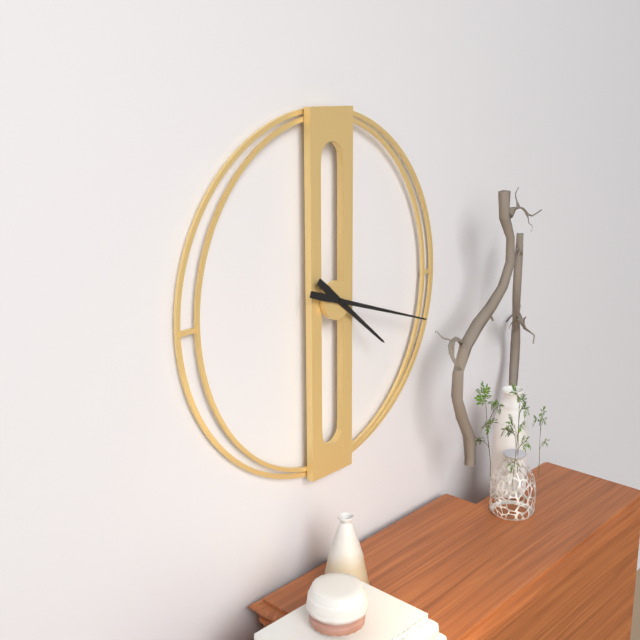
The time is 4h18
